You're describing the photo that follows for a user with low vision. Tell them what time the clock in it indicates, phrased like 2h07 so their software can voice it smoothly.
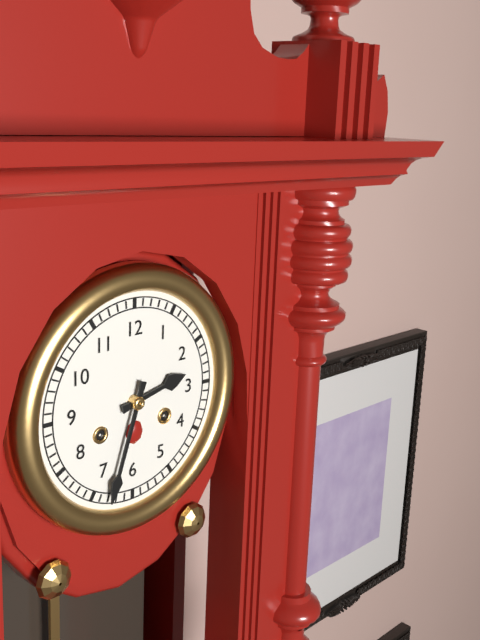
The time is 2h33
